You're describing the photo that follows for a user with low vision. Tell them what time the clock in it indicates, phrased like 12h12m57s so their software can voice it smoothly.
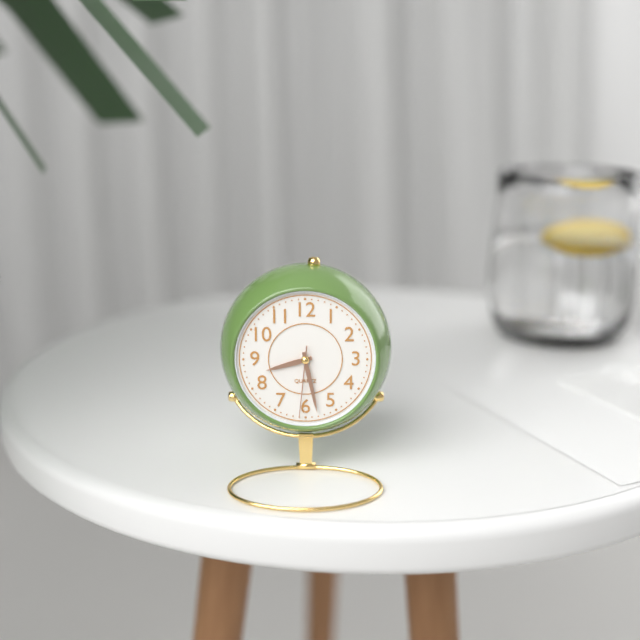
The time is 8h28m31s
